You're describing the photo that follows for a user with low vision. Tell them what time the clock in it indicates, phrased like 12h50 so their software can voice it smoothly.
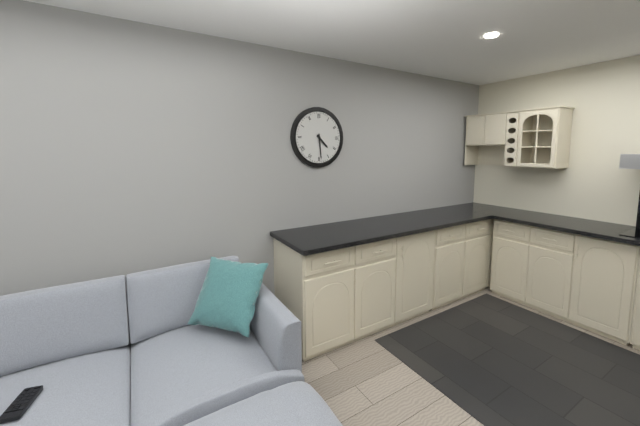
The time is 4h29
